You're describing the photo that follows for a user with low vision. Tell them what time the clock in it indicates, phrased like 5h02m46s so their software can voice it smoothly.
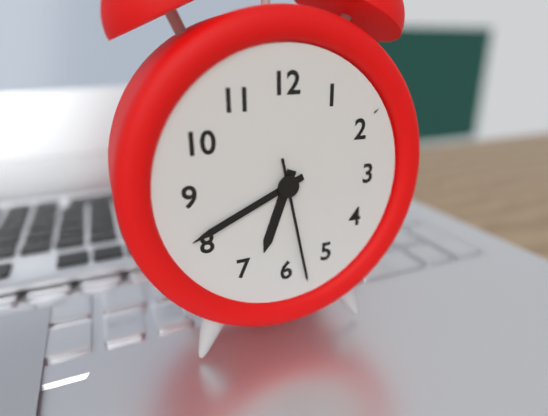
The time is 6h41m28s
